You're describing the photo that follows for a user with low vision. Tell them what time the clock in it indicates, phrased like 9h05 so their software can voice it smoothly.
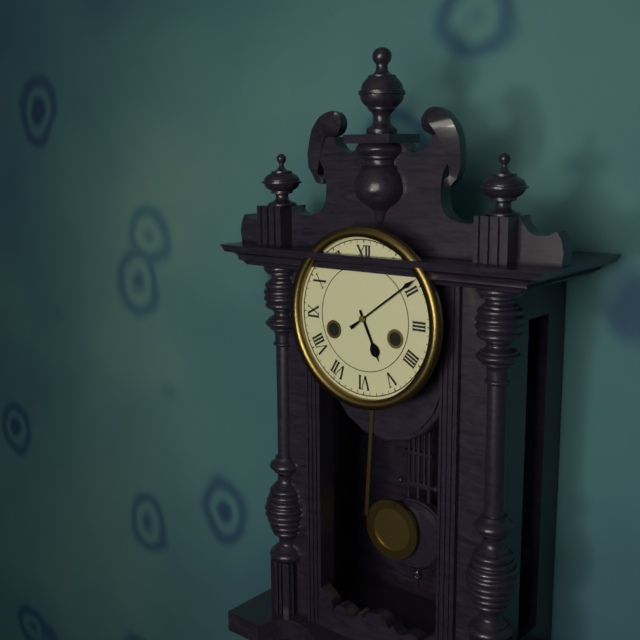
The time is 5h09
